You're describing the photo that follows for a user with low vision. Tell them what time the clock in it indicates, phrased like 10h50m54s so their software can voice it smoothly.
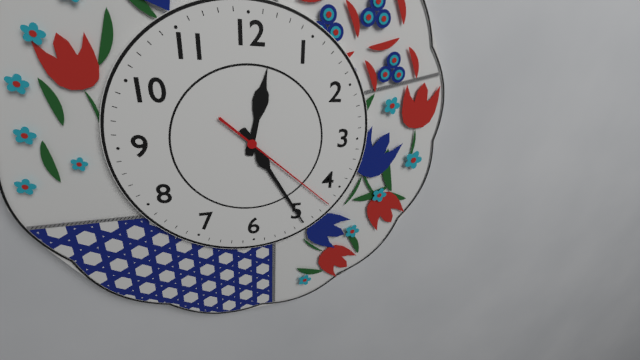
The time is 12h25m22s
